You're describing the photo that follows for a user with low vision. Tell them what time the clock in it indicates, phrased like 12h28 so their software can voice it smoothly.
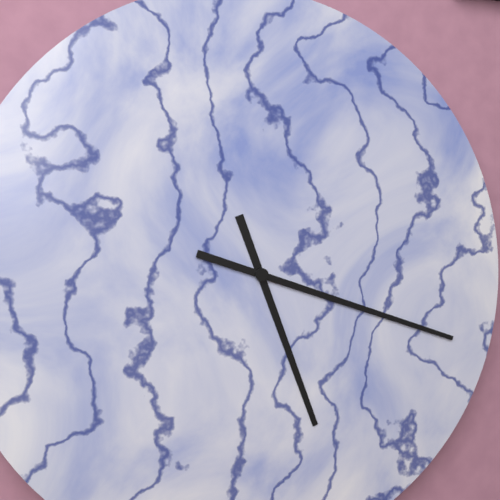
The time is 5h18
